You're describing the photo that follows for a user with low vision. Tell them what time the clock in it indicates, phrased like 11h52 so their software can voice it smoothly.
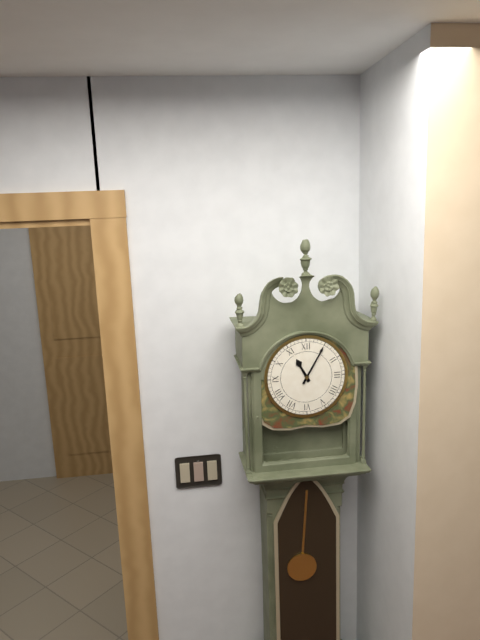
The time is 11h05
